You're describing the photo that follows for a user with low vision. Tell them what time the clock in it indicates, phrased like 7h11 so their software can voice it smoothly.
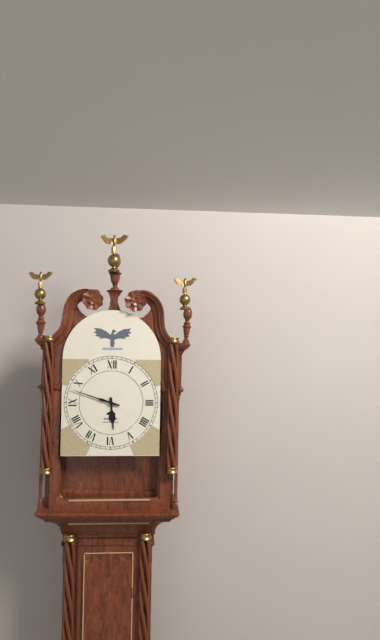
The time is 5h48
